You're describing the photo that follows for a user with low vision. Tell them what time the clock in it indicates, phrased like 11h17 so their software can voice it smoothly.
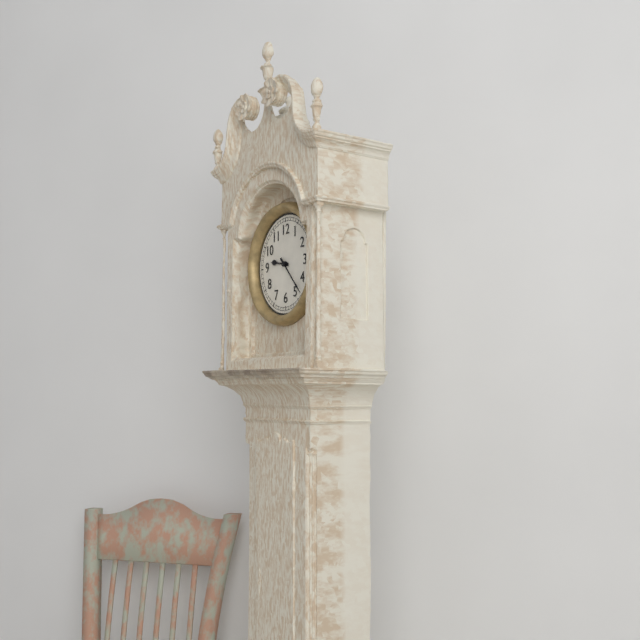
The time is 9h23
